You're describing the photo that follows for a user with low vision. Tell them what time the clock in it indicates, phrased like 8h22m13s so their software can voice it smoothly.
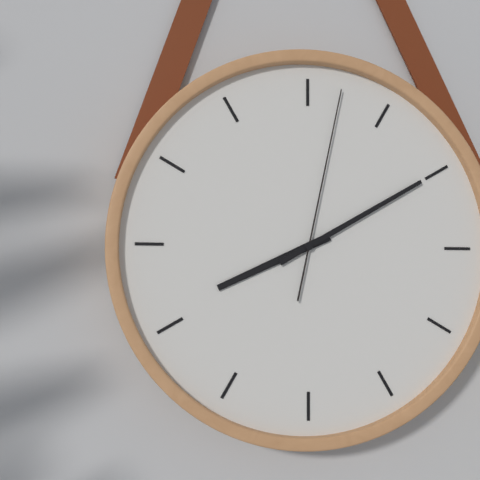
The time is 8h10m02s
